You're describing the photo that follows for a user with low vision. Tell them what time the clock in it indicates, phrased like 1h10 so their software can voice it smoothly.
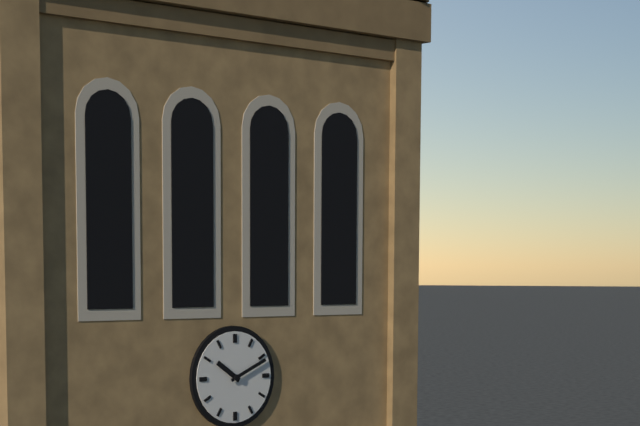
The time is 10h11
